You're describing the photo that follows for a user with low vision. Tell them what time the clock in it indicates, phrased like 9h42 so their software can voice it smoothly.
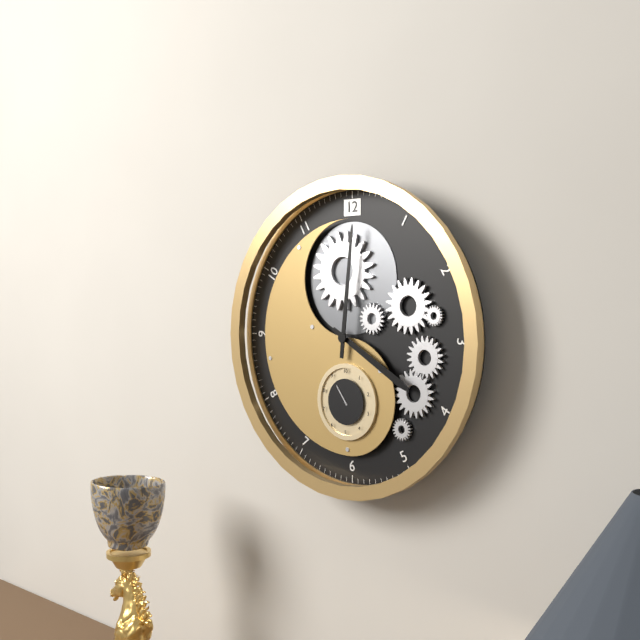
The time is 4h01
